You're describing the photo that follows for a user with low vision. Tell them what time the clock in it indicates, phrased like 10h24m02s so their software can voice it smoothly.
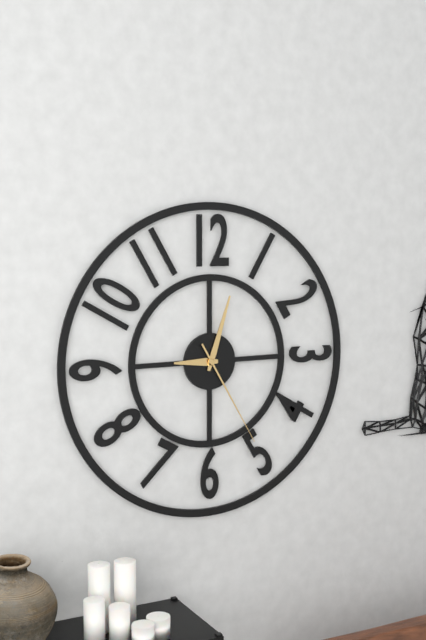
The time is 9h03m25s
